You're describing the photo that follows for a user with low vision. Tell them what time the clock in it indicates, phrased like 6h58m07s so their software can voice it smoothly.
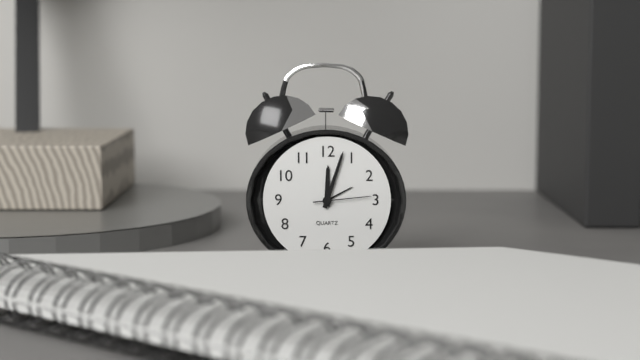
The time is 12h03m14s
